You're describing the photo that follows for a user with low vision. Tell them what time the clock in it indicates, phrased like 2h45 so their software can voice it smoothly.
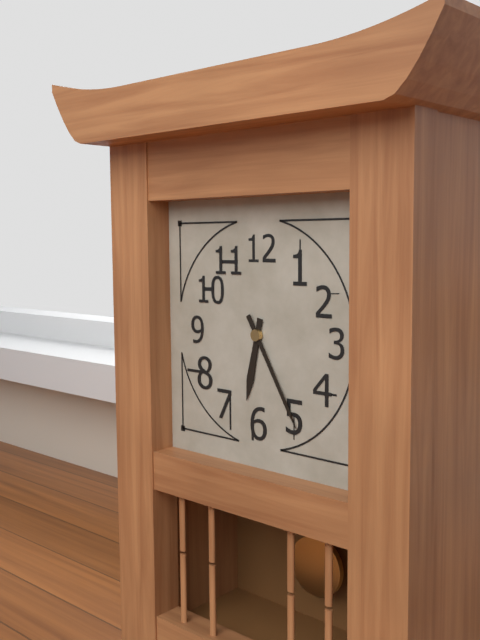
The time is 6h25
